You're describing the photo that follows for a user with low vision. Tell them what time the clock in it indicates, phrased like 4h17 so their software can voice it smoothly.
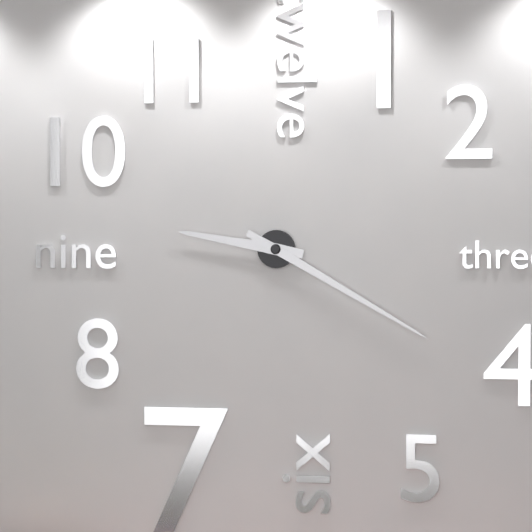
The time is 9h20
